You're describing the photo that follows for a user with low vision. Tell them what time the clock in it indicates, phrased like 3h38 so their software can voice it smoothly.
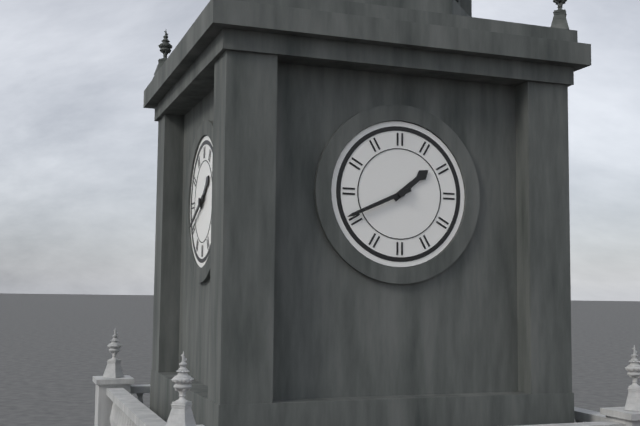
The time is 1h41
